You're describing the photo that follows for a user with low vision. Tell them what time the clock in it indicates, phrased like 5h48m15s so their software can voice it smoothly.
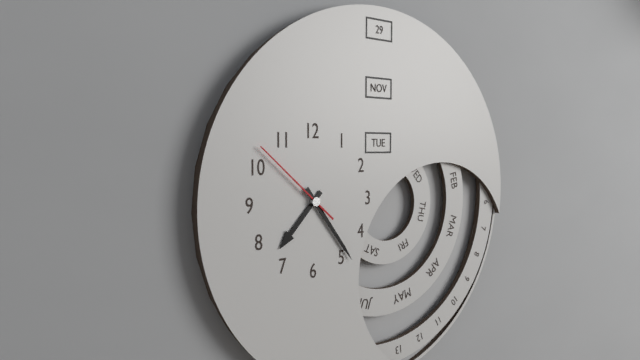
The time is 7h24m52s
